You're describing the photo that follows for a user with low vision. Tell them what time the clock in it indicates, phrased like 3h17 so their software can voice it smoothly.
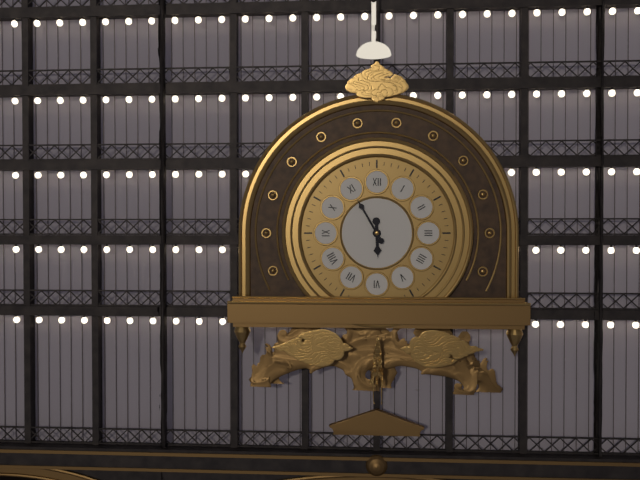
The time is 5h55
